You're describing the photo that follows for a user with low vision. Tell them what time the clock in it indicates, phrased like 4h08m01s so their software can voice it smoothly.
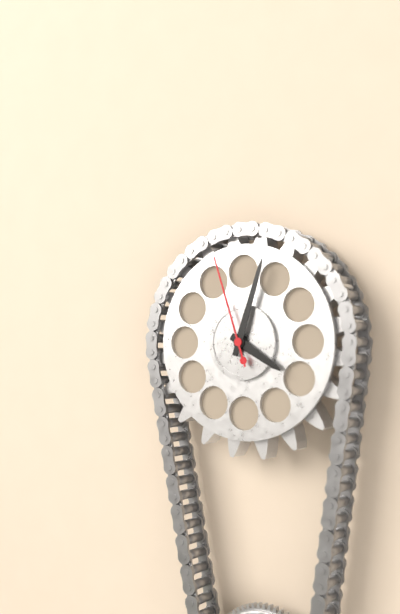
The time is 4h03m57s
